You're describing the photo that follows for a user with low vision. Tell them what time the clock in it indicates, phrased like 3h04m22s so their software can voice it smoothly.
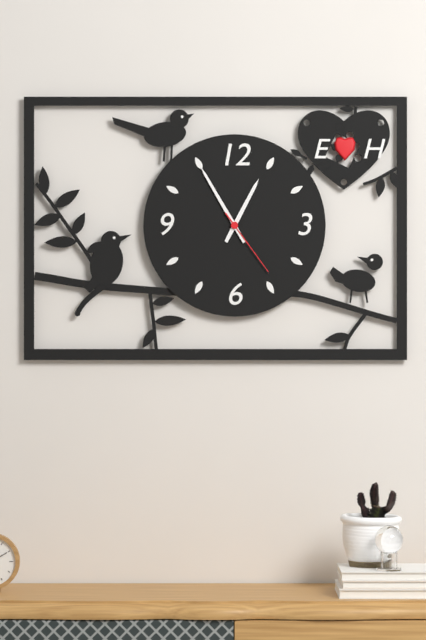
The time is 12h55m24s
